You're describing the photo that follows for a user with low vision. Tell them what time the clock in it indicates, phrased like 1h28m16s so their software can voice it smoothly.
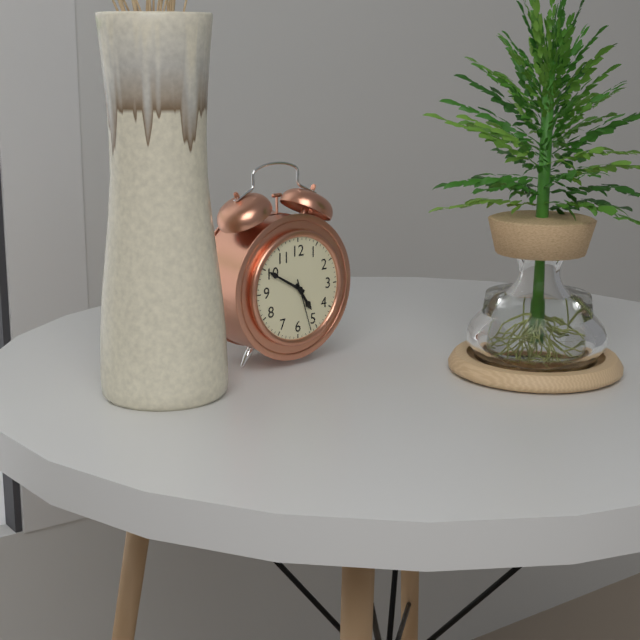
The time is 4h50m27s
